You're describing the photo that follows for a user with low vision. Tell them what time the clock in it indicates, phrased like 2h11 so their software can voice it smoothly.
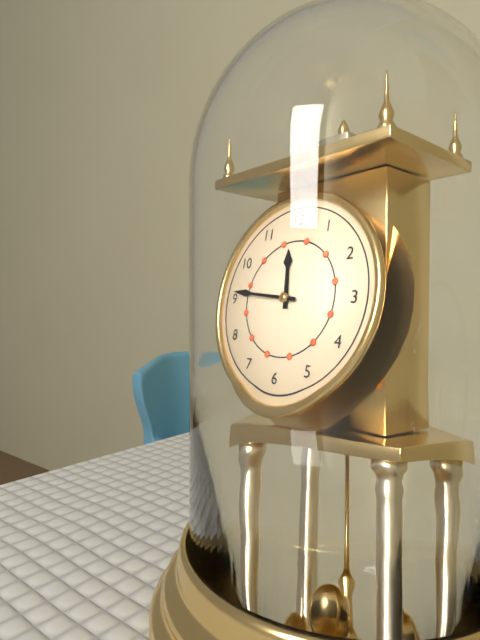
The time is 11h46
